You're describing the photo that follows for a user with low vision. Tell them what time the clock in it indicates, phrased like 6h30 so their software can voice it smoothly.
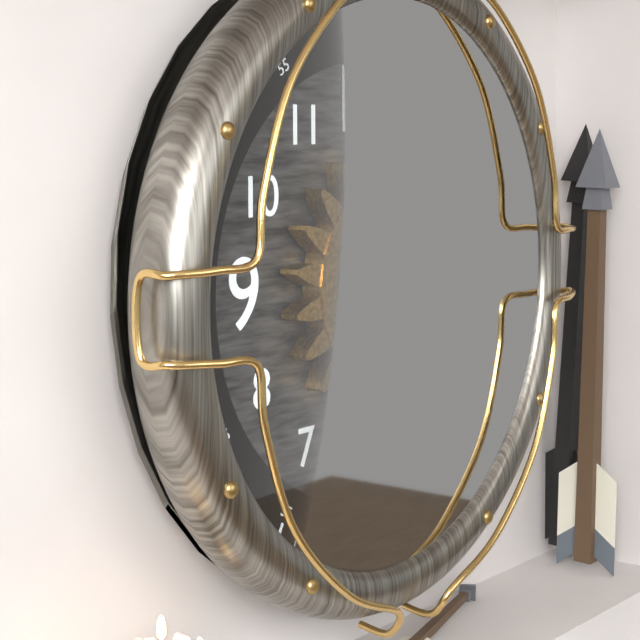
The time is 4h16
